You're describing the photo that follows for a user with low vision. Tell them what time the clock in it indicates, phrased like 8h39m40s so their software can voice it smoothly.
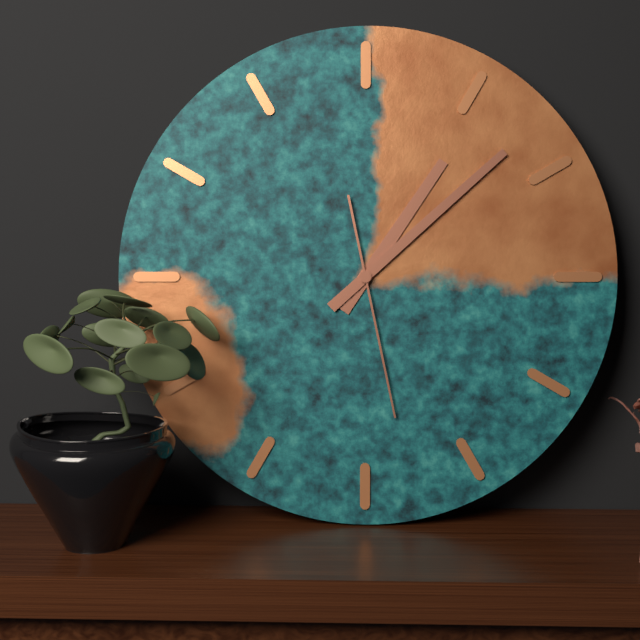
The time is 1h08m28s
